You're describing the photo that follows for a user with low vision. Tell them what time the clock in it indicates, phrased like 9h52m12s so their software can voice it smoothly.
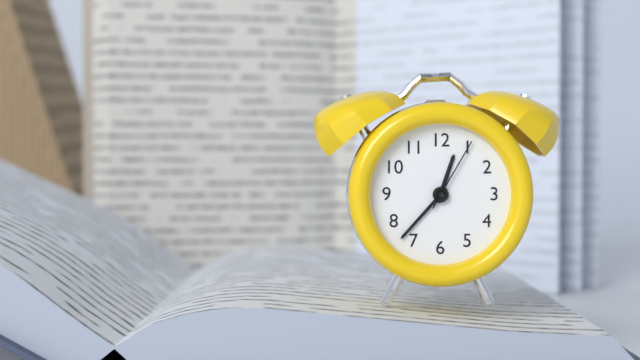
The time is 12h37m05s
